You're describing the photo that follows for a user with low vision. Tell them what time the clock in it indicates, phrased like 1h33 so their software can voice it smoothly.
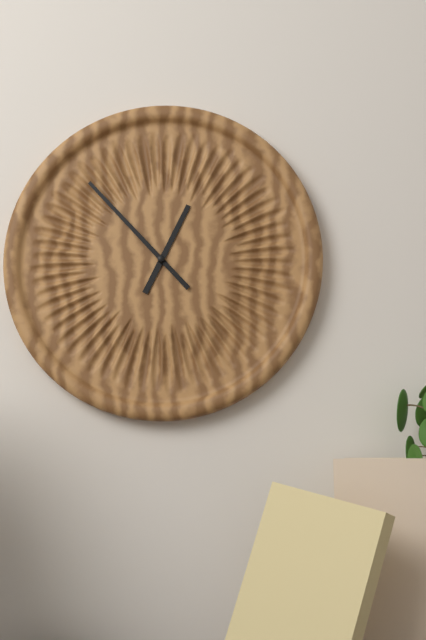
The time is 12h53
